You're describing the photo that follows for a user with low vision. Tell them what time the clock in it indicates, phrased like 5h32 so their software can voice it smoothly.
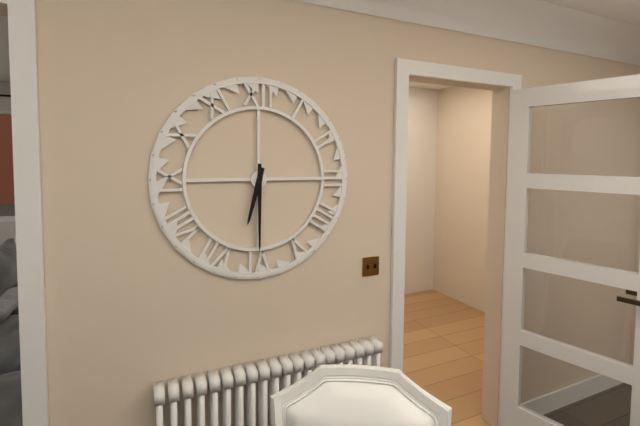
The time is 6h30
